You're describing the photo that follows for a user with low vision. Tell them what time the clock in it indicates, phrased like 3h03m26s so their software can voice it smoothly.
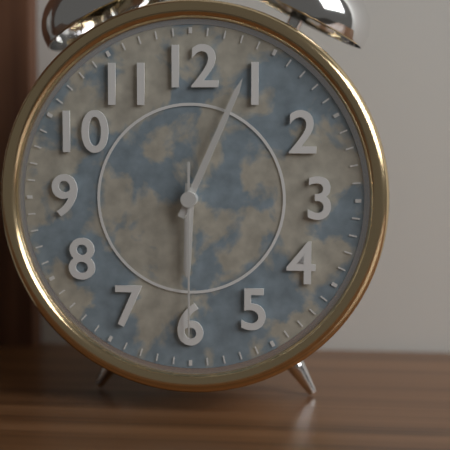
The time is 6h04m30s
